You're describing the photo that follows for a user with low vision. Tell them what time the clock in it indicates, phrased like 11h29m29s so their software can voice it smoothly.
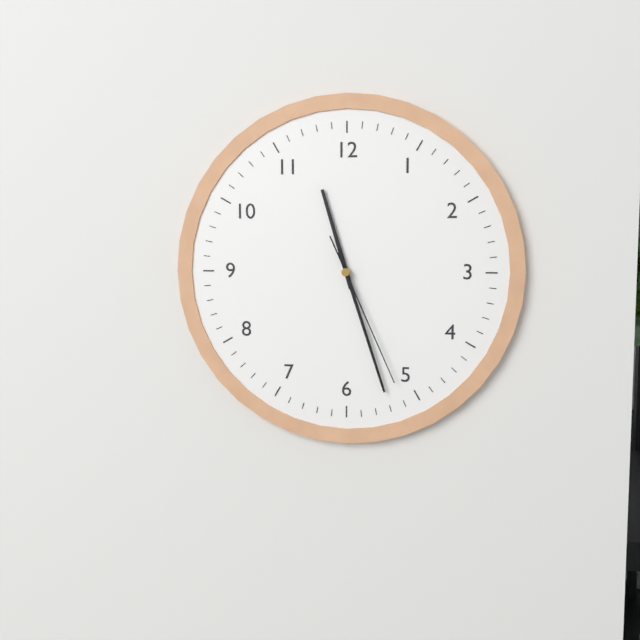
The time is 11h27m26s
